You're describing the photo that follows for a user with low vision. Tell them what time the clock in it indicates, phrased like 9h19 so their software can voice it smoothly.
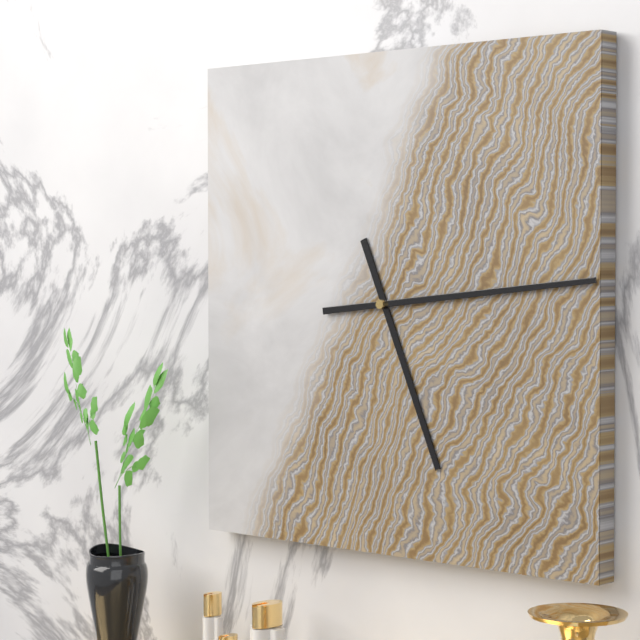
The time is 5h14
